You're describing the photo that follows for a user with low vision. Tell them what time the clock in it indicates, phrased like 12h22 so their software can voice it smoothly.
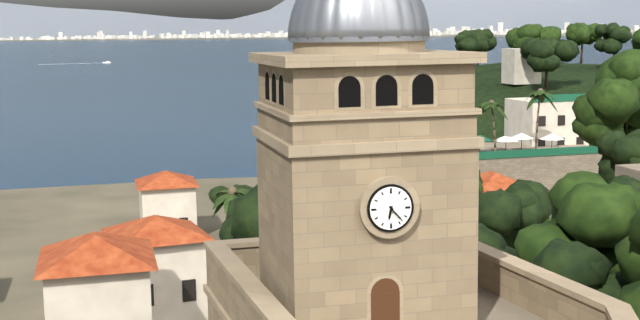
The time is 6h23
